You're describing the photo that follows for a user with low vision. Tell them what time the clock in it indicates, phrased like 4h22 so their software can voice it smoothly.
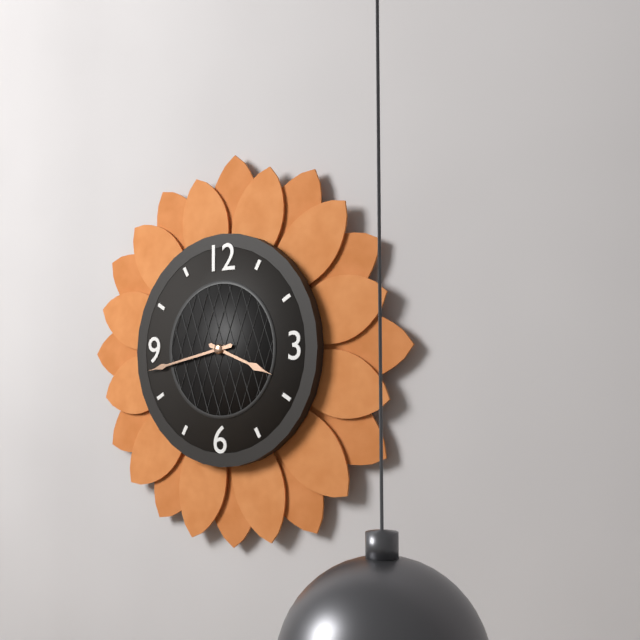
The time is 3h43
